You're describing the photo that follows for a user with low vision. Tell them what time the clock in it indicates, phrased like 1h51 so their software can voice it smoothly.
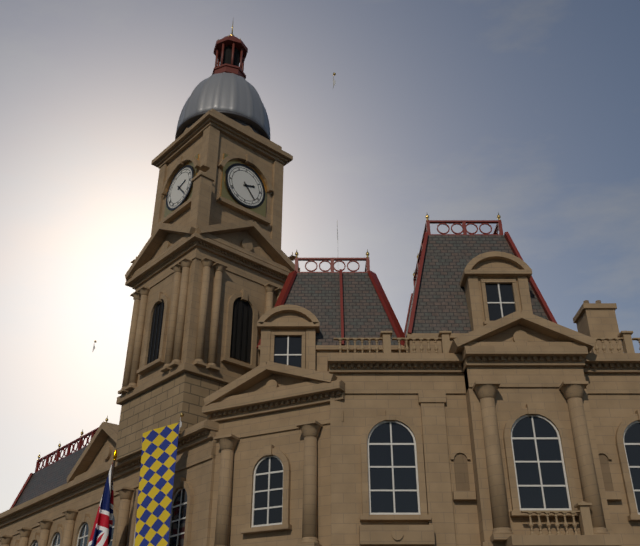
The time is 2h23
